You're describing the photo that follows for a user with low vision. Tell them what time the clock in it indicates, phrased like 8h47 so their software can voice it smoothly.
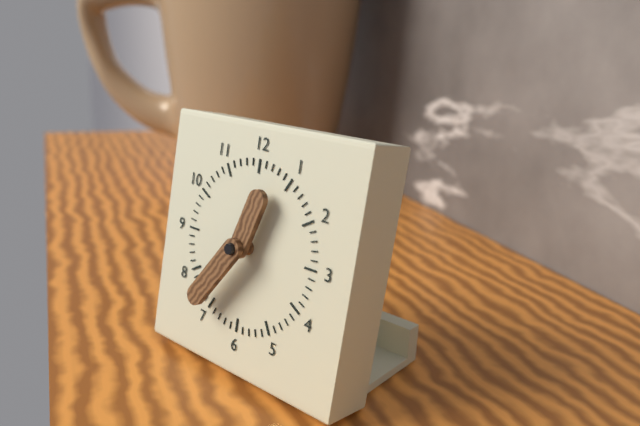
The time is 12h36
